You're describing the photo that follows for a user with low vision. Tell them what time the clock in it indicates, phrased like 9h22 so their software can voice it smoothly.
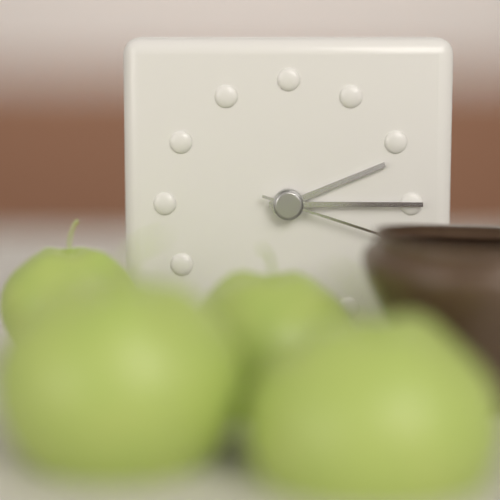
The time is 2h15
